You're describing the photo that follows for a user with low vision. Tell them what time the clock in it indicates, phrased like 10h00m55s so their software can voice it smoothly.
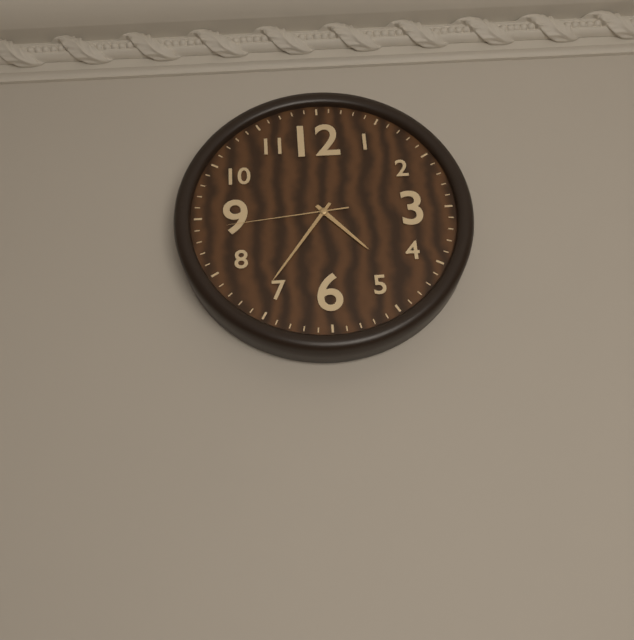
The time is 4h36m44s
